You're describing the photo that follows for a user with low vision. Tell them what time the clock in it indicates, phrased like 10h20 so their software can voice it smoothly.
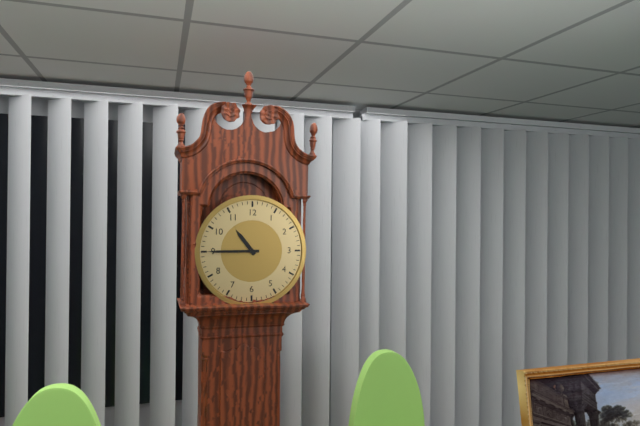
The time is 10h45
